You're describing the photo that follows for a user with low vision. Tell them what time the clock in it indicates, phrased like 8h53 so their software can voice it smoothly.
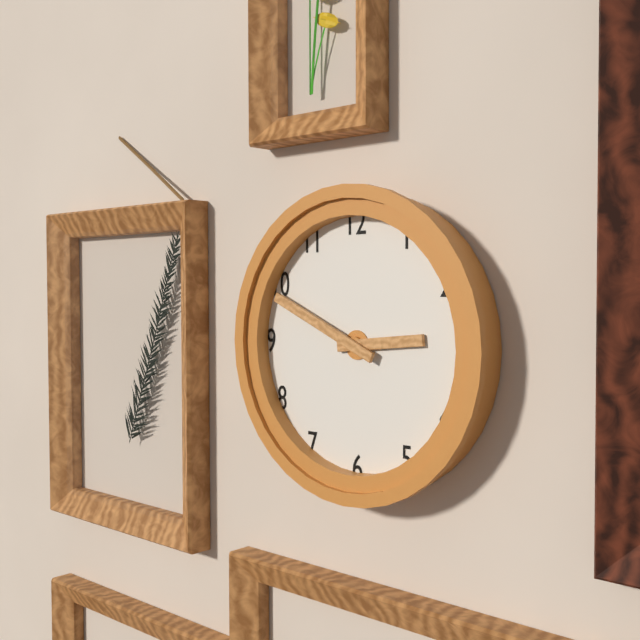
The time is 2h49
